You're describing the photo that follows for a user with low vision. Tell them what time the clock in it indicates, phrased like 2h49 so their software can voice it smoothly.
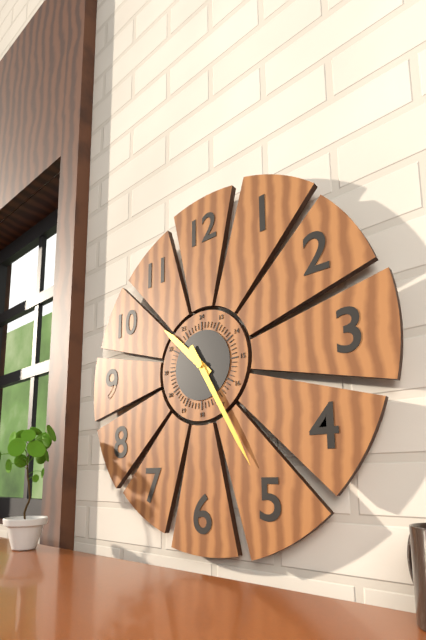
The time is 10h25
